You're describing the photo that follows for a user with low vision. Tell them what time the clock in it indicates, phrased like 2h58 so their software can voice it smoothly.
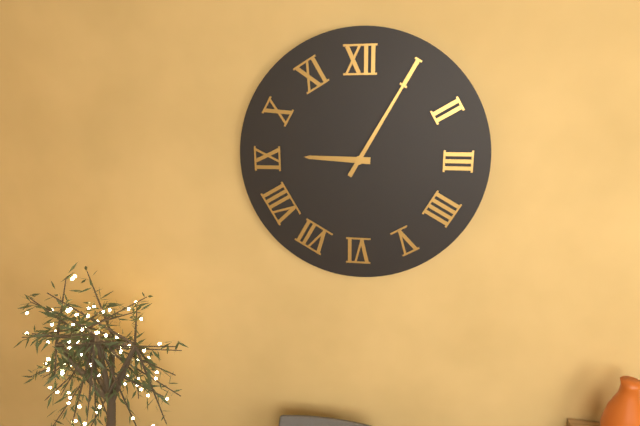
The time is 9h05
